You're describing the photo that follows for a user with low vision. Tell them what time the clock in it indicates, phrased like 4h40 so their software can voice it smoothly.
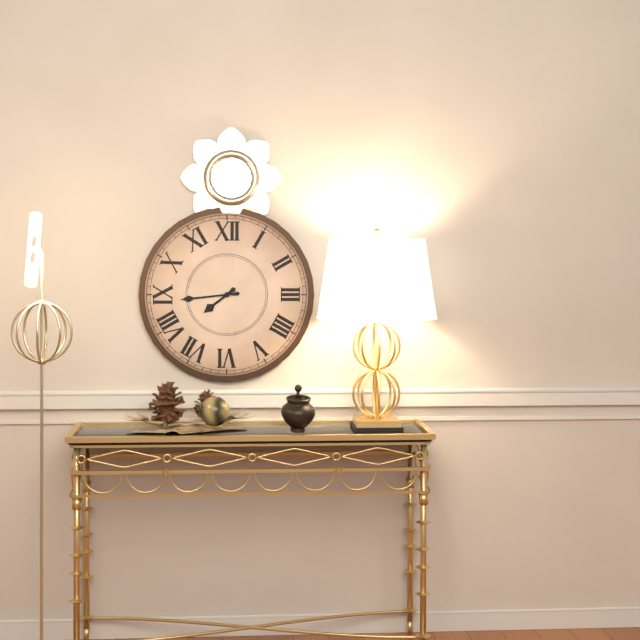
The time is 7h44
